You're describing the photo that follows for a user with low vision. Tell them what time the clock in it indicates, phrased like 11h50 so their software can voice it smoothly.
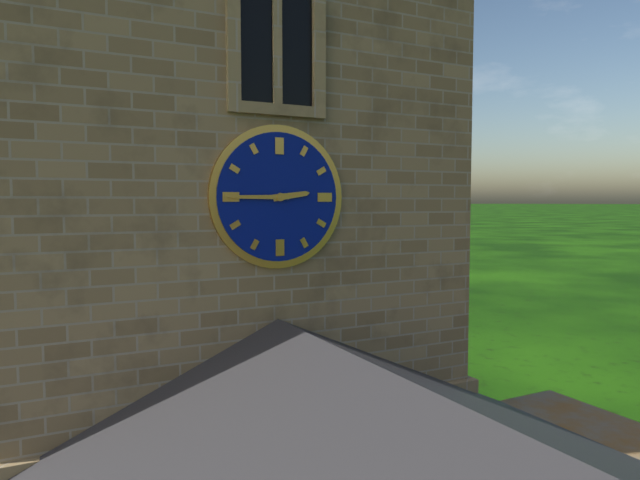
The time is 2h45
